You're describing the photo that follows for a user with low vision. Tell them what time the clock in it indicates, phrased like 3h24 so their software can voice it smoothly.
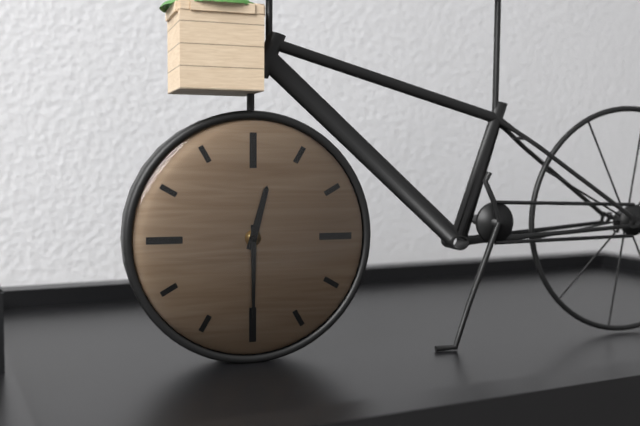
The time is 12h30
